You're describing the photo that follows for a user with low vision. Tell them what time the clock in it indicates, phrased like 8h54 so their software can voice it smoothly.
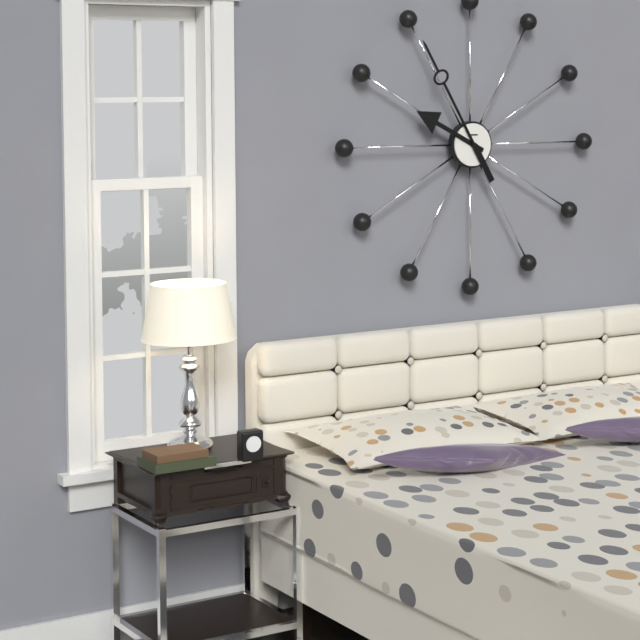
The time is 9h55
